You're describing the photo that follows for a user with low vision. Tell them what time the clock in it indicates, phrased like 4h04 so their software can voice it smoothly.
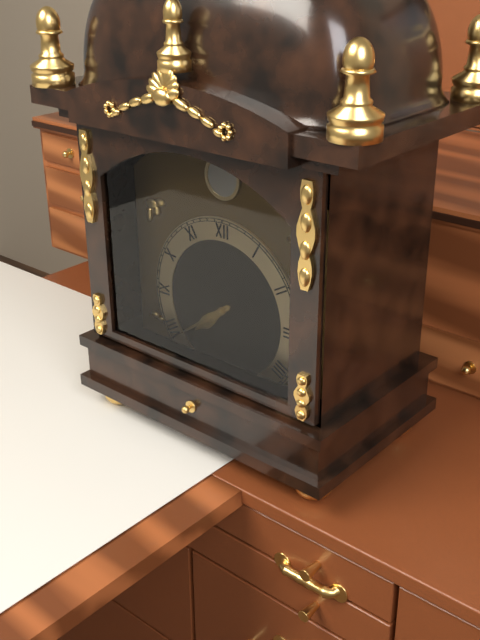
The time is 7h39
